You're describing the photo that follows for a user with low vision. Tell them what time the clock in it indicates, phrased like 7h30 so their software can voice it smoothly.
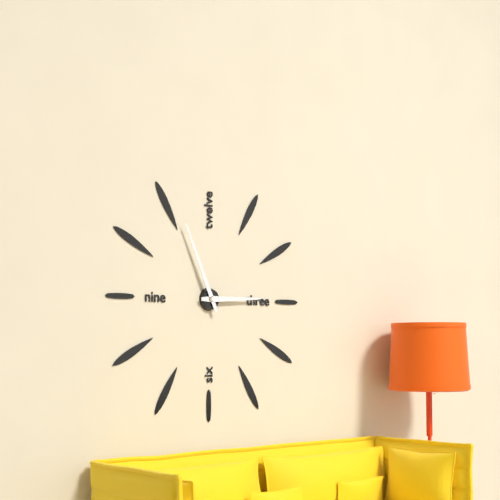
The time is 2h56
